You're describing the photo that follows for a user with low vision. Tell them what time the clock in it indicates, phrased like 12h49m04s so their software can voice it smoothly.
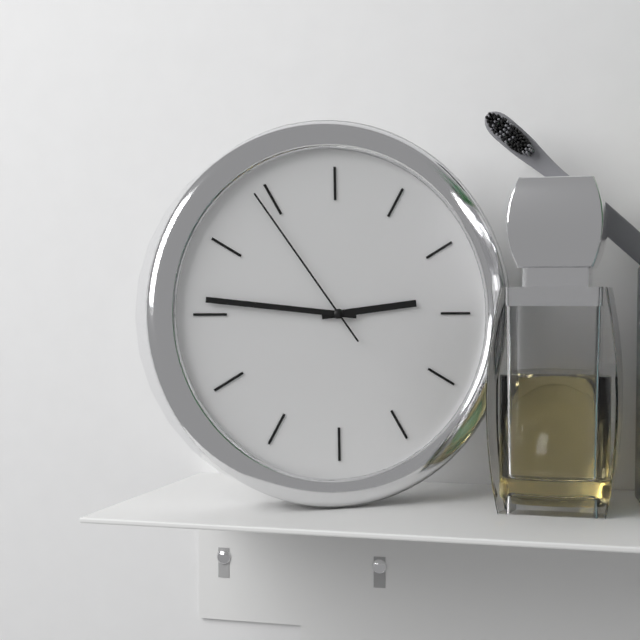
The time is 2h46m54s
